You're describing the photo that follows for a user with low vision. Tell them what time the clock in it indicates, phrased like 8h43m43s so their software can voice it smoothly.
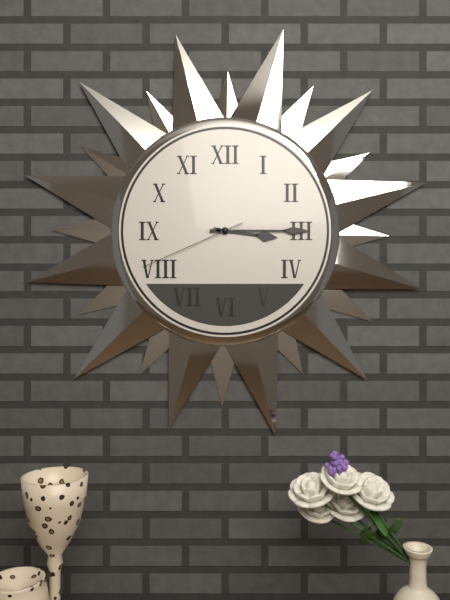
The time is 3h15m41s
